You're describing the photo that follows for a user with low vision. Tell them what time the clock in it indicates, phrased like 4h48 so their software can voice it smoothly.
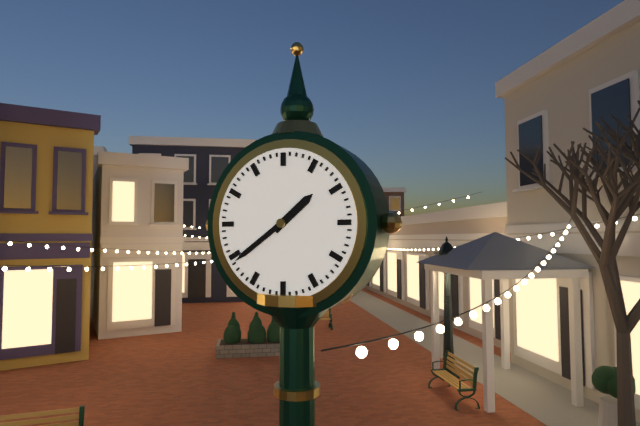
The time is 1h39
